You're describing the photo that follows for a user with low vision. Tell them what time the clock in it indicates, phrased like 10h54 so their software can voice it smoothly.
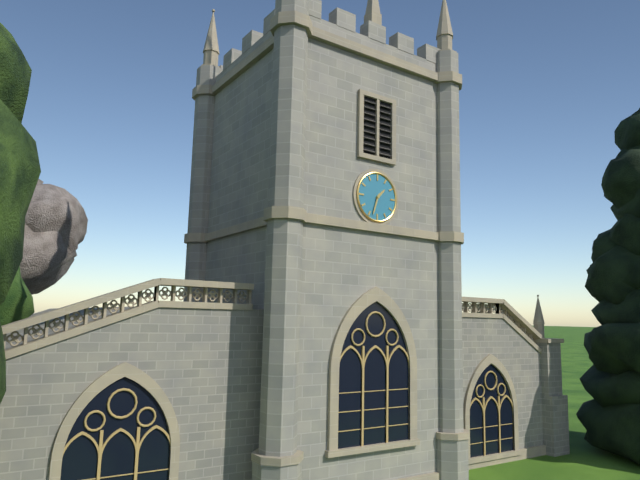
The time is 1h33
